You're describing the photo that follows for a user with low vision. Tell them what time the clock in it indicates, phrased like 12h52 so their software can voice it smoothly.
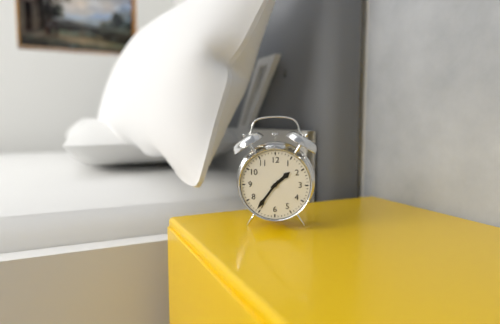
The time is 1h36
